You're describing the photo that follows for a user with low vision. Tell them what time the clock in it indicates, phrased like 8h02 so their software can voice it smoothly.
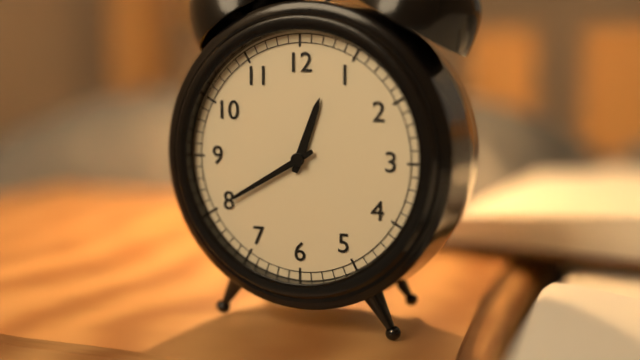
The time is 12h40
